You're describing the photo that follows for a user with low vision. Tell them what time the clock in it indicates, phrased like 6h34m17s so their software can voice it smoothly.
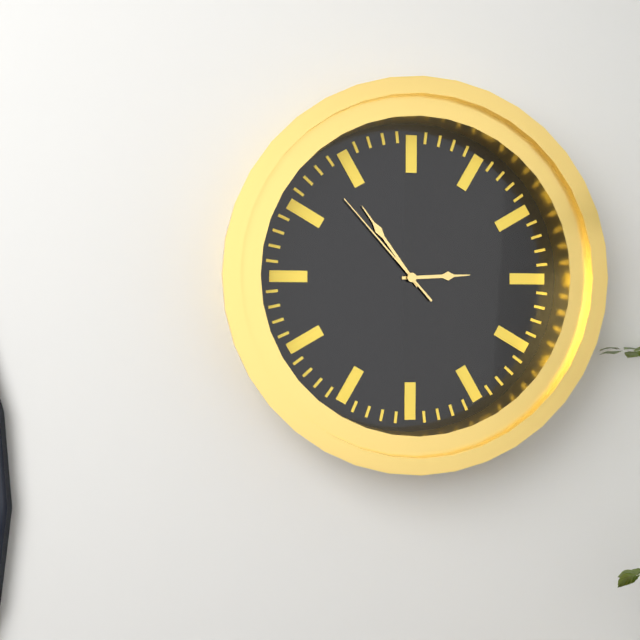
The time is 2h54m53s
